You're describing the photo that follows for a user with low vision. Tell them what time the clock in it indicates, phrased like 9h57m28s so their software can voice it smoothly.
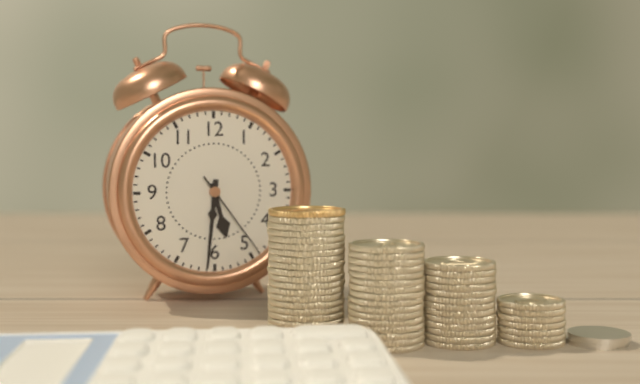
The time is 5h31m24s
